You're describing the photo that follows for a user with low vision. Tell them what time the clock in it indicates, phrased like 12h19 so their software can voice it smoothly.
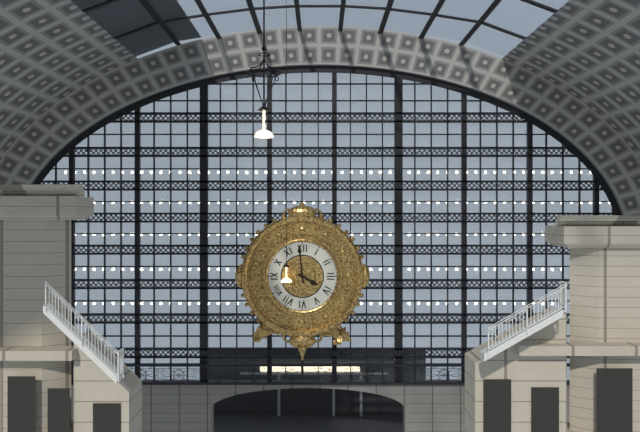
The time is 3h59
